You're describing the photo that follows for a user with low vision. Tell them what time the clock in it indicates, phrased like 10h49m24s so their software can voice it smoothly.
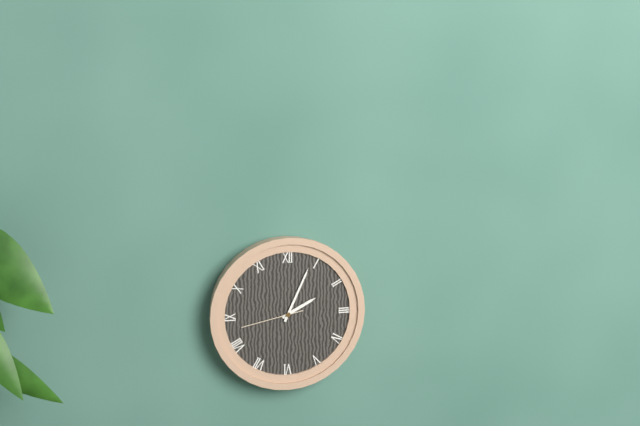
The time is 2h04m43s
